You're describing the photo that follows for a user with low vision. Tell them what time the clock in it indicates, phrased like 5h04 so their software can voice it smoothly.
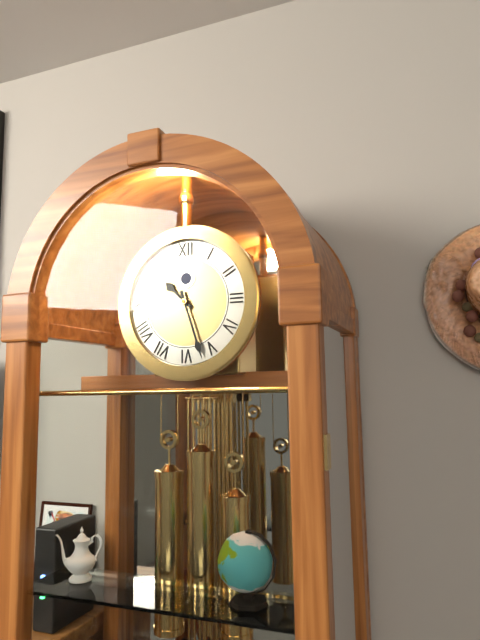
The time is 10h27
